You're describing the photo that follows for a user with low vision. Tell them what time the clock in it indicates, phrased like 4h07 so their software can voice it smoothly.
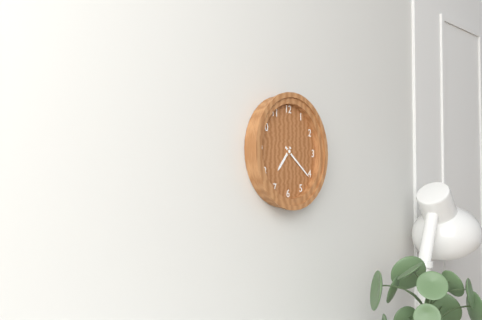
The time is 7h21
